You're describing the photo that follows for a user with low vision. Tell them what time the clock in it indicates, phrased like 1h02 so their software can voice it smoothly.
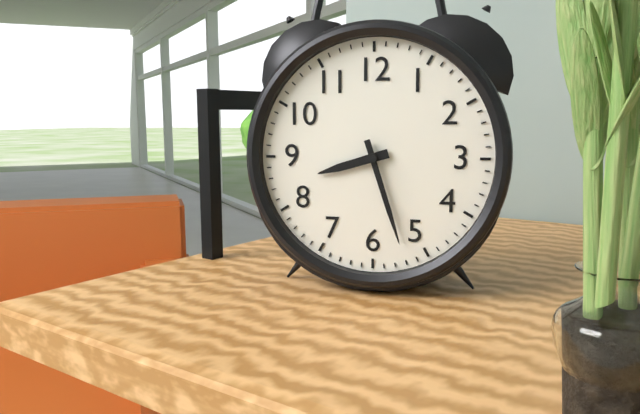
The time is 8h27
